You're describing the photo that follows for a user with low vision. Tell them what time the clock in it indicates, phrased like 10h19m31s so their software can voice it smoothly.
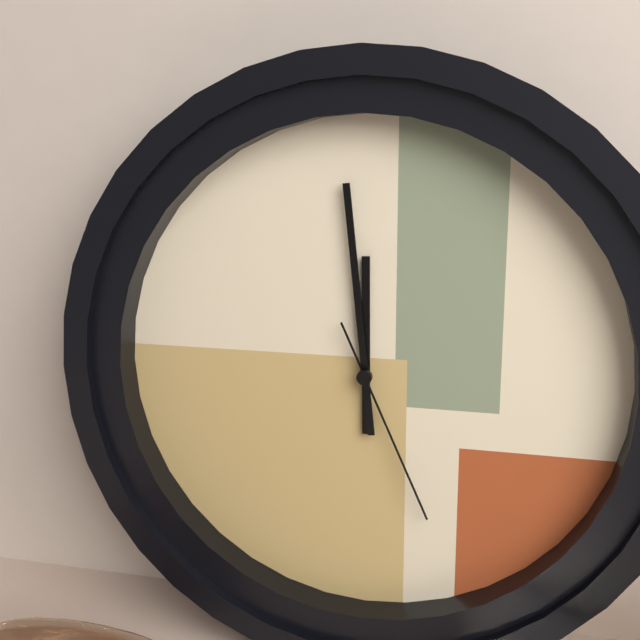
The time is 11h59m26s
